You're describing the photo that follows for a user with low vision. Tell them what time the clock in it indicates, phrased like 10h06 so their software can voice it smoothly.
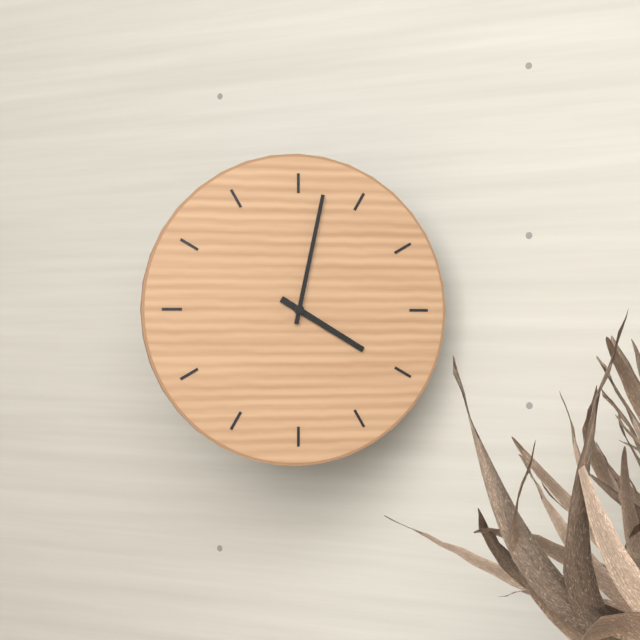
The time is 4h02
